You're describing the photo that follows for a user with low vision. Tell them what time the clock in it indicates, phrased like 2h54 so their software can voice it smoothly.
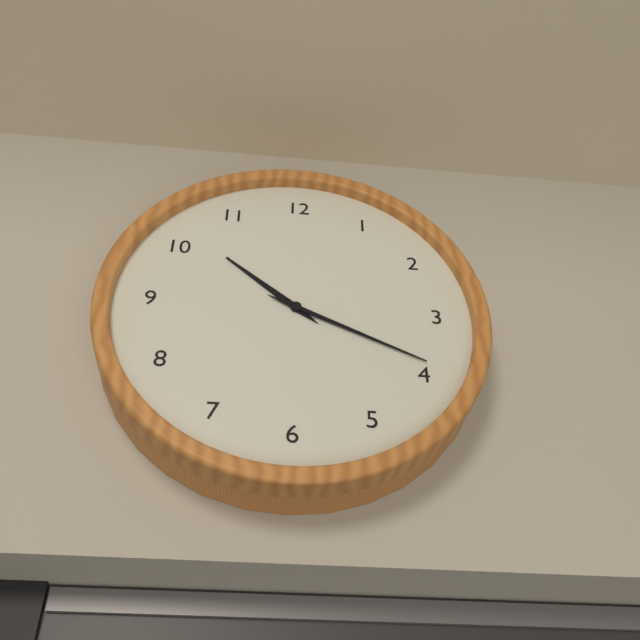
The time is 10h19
